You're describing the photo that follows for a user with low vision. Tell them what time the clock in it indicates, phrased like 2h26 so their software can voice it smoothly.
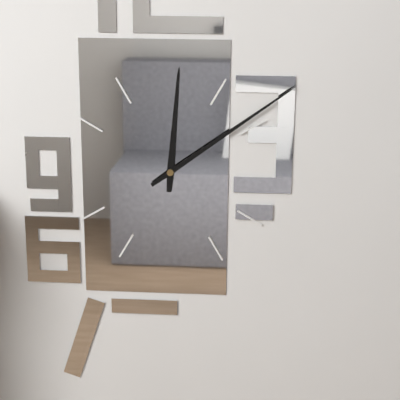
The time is 12h09
